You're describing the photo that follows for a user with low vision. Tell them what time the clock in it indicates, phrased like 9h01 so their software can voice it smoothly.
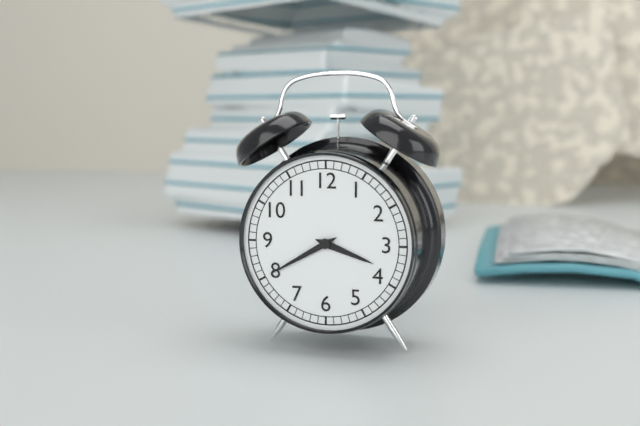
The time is 3h40
